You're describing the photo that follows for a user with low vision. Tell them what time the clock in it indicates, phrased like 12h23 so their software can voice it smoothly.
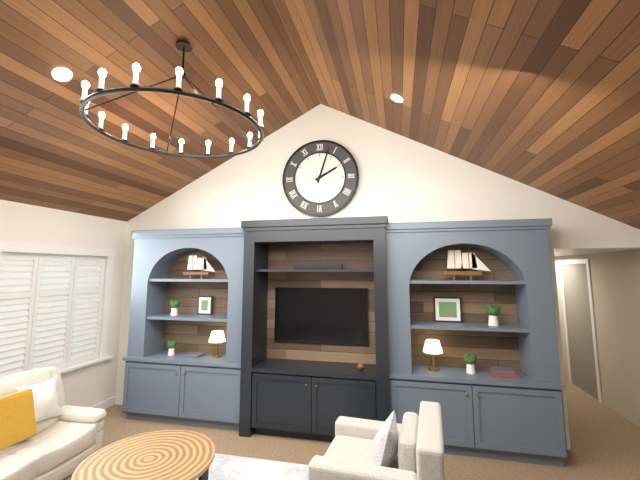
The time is 2h03
